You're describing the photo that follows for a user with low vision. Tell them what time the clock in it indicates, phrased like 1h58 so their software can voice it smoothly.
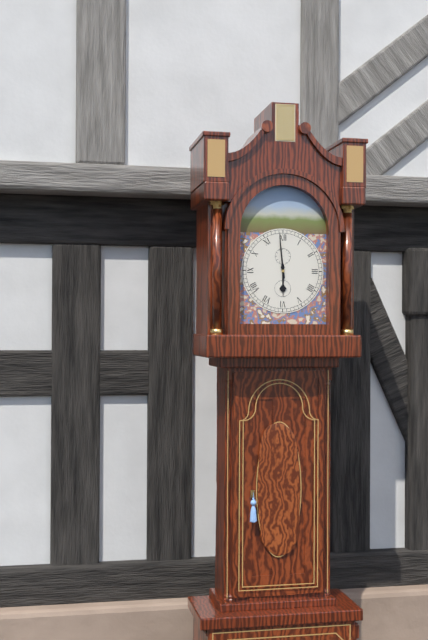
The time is 5h59
